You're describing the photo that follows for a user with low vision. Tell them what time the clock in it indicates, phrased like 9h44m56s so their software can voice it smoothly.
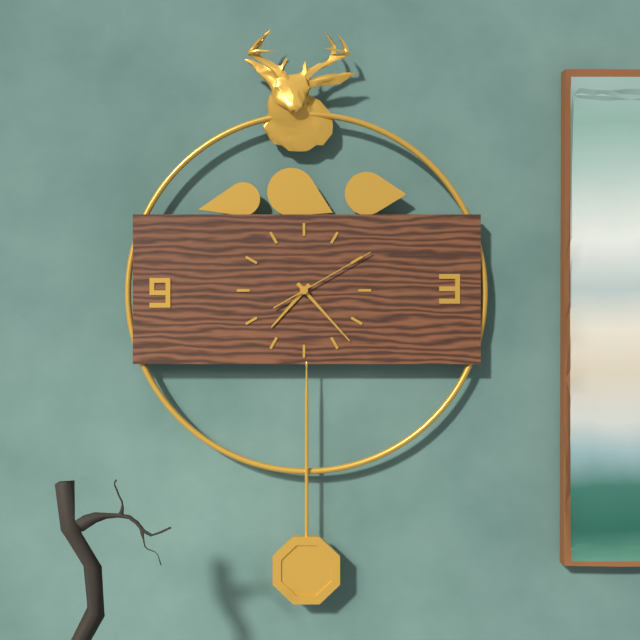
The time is 7h23m10s
